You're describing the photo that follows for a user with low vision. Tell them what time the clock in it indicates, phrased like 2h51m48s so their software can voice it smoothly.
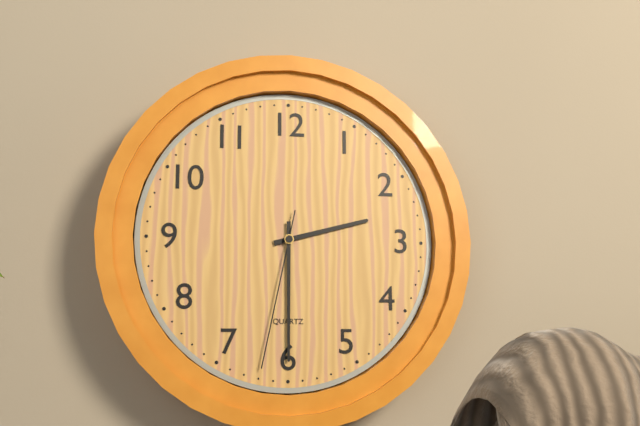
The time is 2h30m32s
